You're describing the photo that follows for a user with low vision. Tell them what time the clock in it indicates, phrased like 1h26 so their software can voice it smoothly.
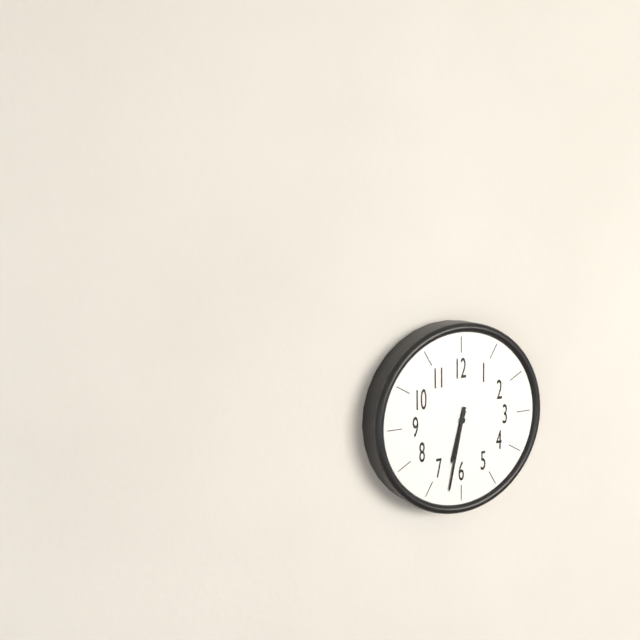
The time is 6h32
